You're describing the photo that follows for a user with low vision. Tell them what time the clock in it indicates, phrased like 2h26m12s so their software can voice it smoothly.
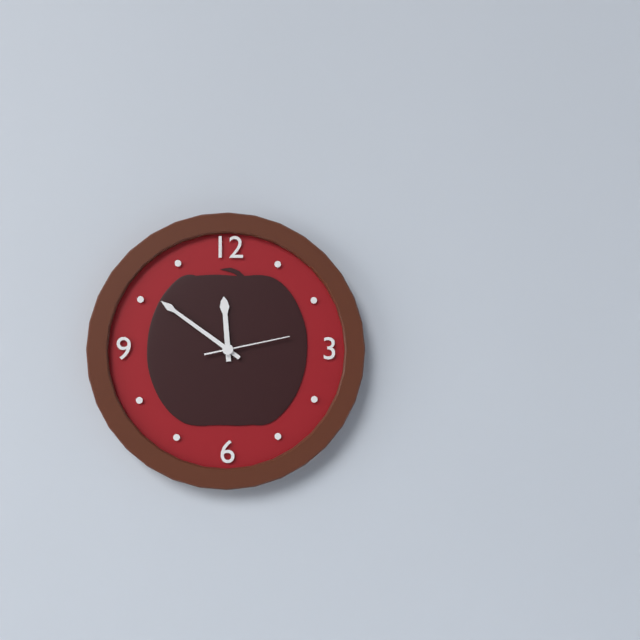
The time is 11h51m13s
